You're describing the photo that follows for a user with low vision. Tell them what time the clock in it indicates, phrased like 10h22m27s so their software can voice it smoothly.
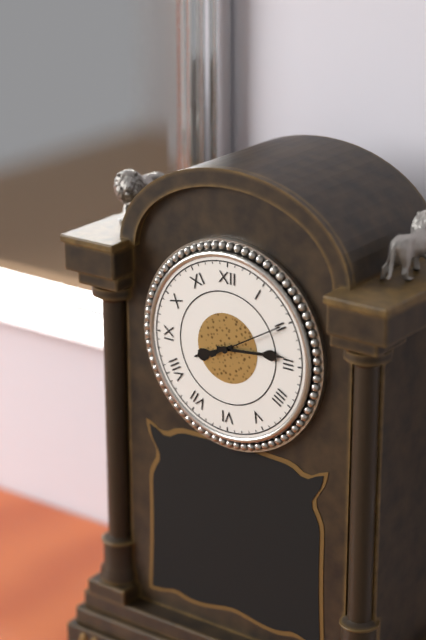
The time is 8h14m10s
